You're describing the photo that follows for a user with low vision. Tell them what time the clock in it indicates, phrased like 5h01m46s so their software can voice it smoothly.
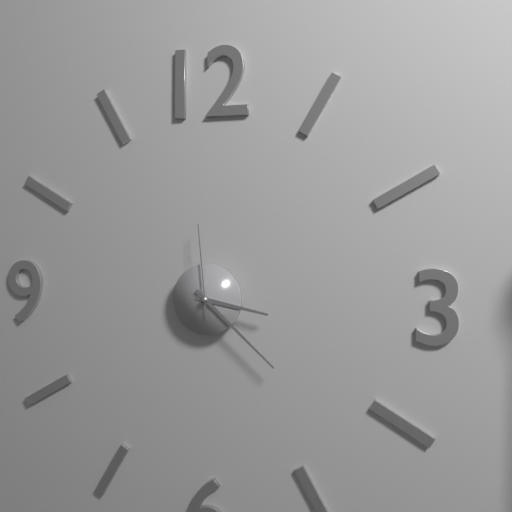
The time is 3h22m59s
